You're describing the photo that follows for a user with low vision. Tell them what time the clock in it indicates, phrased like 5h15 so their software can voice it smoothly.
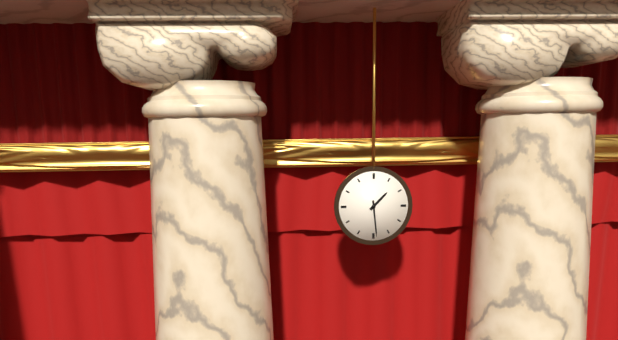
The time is 1h29
